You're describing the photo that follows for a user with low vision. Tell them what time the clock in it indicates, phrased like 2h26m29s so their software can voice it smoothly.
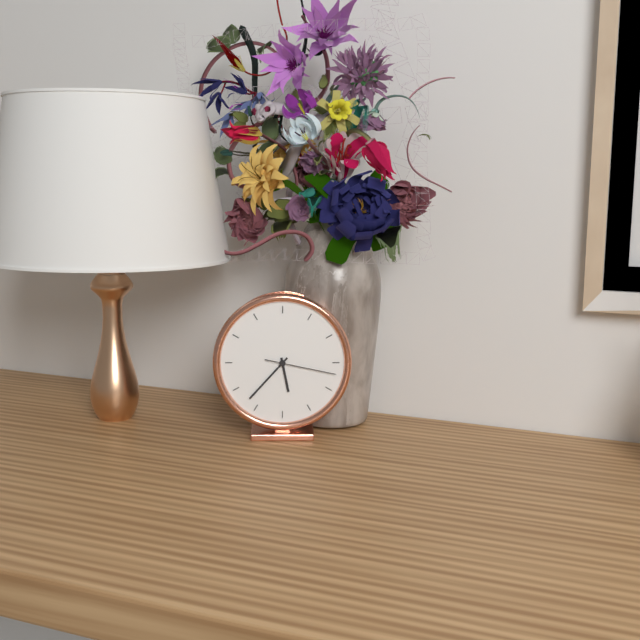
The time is 5h37m17s
